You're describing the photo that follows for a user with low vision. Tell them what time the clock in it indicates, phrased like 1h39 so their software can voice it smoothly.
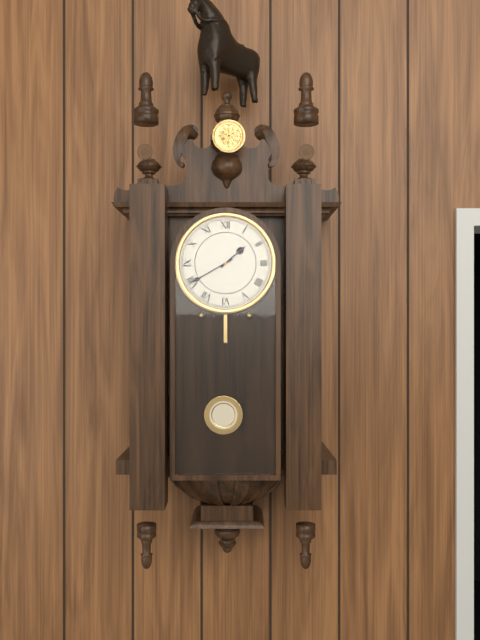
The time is 1h40
